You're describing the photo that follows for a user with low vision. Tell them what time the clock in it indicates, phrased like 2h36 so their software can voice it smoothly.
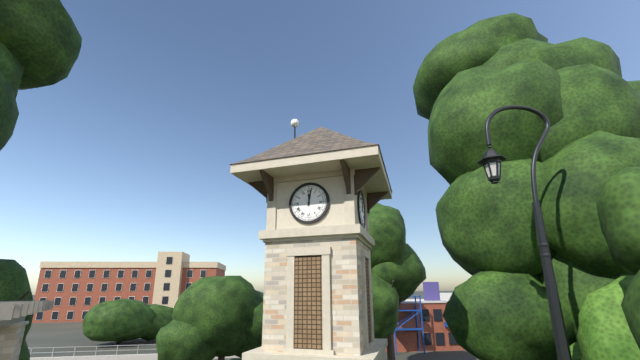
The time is 12h02
